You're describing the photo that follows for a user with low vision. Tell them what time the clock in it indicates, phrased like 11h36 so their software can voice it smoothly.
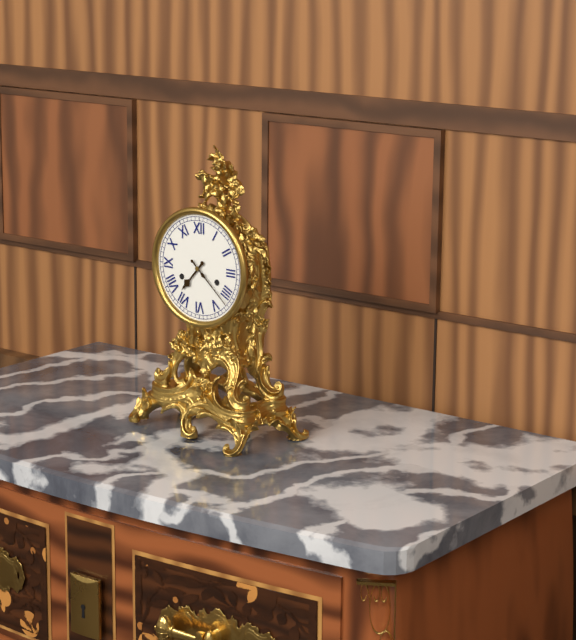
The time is 7h22
